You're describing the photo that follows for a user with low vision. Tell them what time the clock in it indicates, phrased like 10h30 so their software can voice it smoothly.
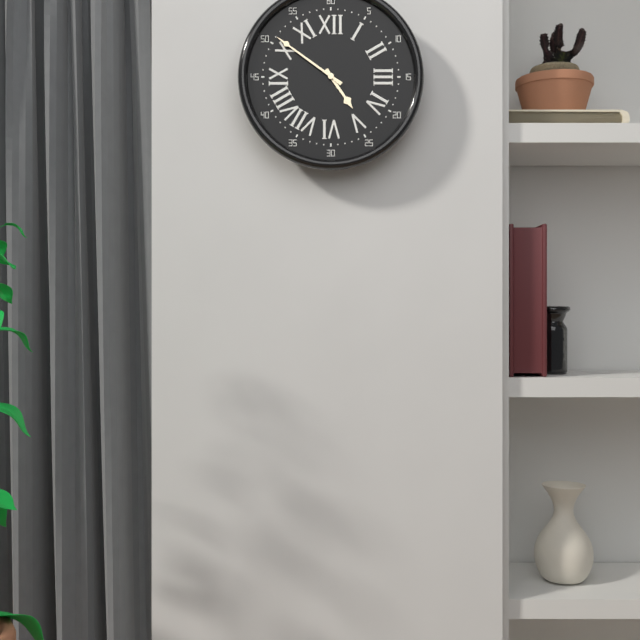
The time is 4h51
